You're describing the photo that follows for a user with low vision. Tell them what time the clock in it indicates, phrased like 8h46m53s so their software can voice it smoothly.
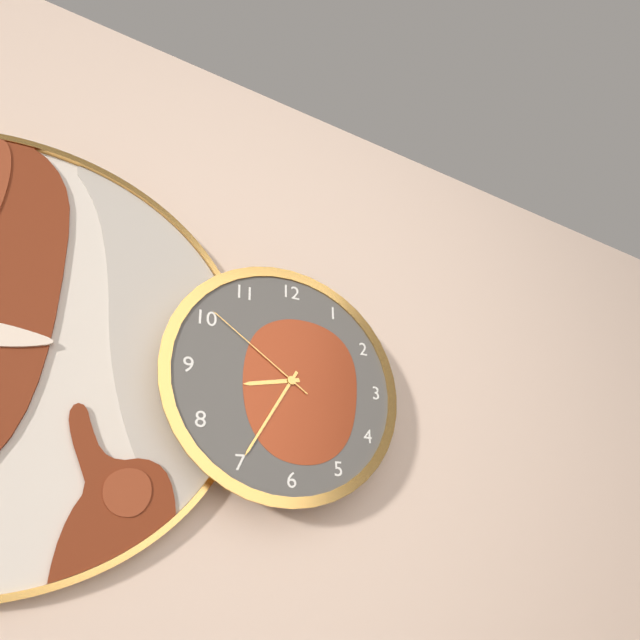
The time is 8h35m51s
